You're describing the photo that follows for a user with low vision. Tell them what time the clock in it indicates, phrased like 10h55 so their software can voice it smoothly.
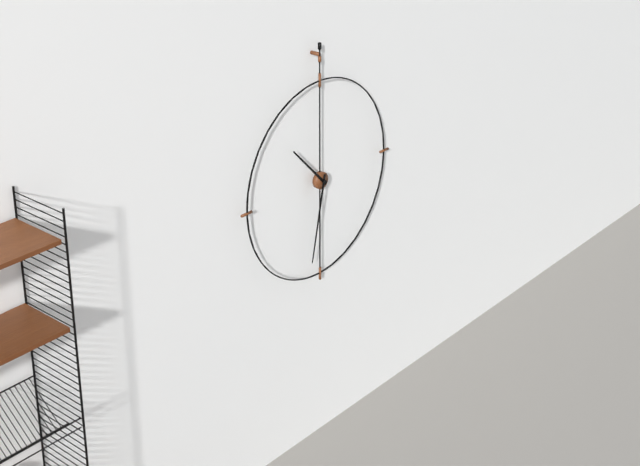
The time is 10h32
